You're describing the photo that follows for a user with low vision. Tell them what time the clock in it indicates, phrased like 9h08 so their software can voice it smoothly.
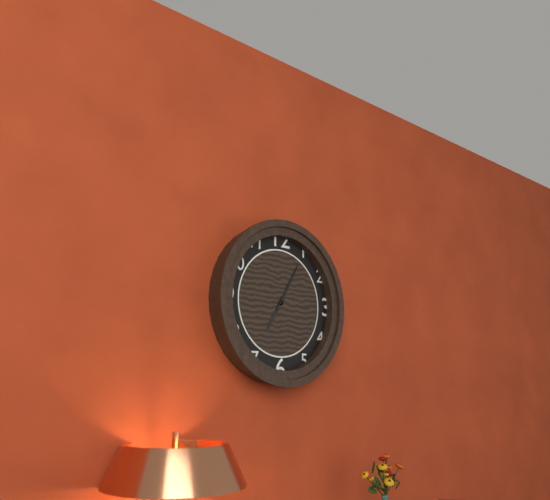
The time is 7h05
